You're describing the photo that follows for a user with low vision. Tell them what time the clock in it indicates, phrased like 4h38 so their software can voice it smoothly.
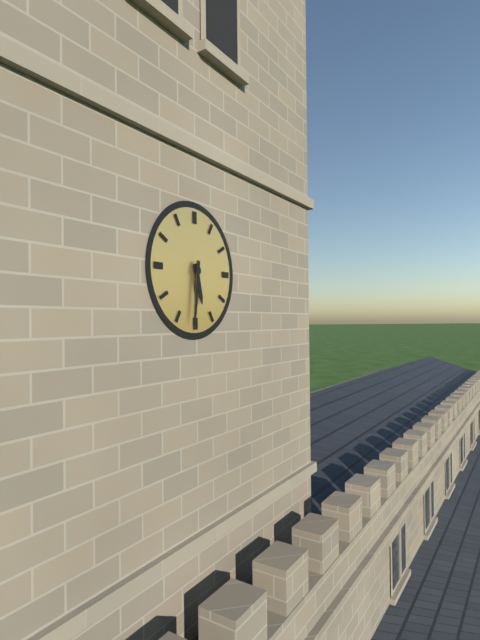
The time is 5h31
